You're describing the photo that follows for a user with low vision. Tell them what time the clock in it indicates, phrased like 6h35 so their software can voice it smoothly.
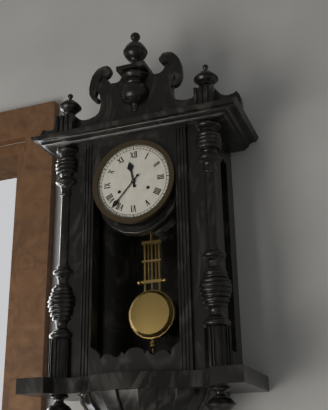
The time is 11h37
